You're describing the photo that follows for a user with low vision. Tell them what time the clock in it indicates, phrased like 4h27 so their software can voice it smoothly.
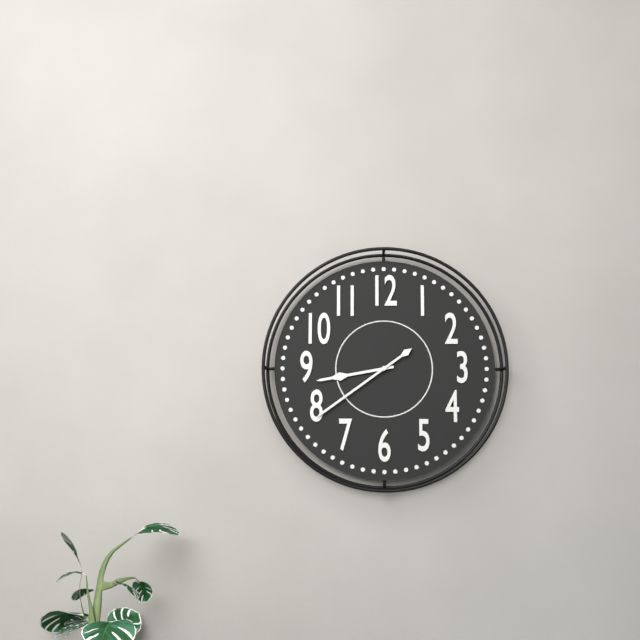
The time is 8h39
